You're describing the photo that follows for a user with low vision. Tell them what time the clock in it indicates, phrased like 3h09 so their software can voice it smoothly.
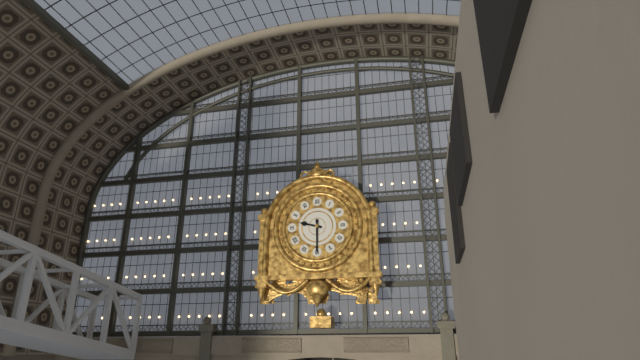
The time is 9h30
